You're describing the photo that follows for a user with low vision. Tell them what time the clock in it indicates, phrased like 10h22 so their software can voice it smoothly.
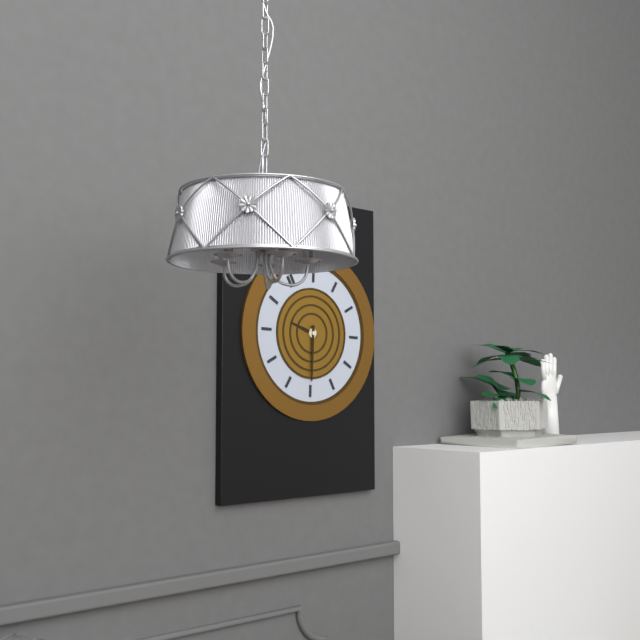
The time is 10h35
